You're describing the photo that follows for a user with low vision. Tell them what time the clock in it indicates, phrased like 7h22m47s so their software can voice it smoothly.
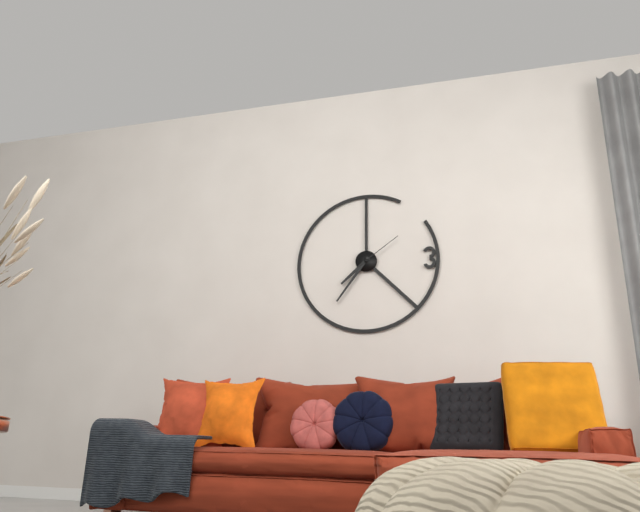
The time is 7h36m09s
